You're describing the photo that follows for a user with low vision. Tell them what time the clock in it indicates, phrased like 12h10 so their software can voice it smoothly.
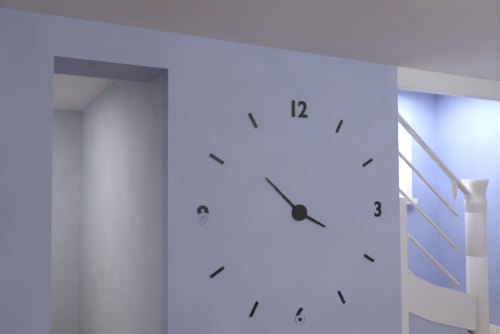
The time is 3h52
